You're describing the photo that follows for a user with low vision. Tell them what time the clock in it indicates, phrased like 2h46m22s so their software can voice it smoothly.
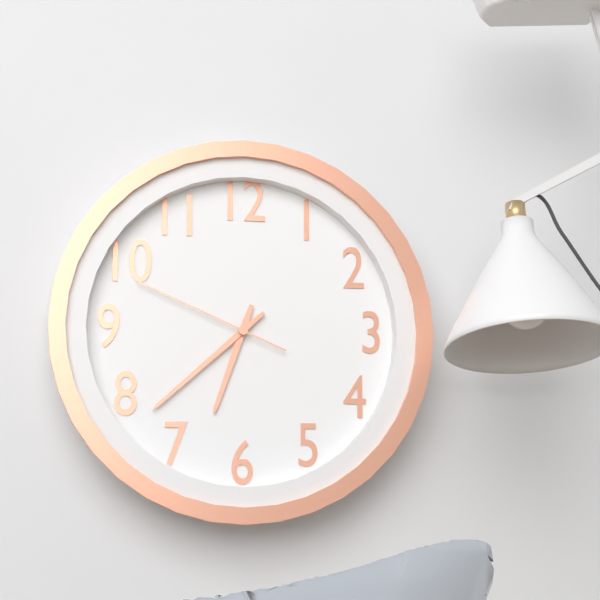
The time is 6h38m49s
